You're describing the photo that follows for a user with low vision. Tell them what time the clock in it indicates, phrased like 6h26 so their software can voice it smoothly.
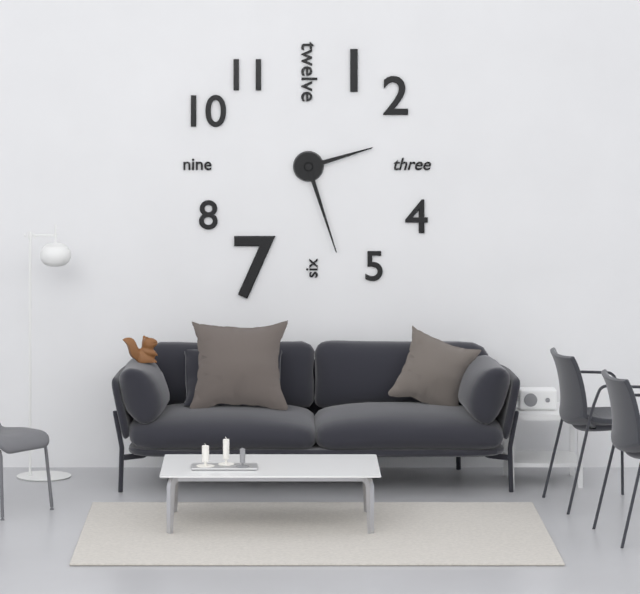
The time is 2h27
